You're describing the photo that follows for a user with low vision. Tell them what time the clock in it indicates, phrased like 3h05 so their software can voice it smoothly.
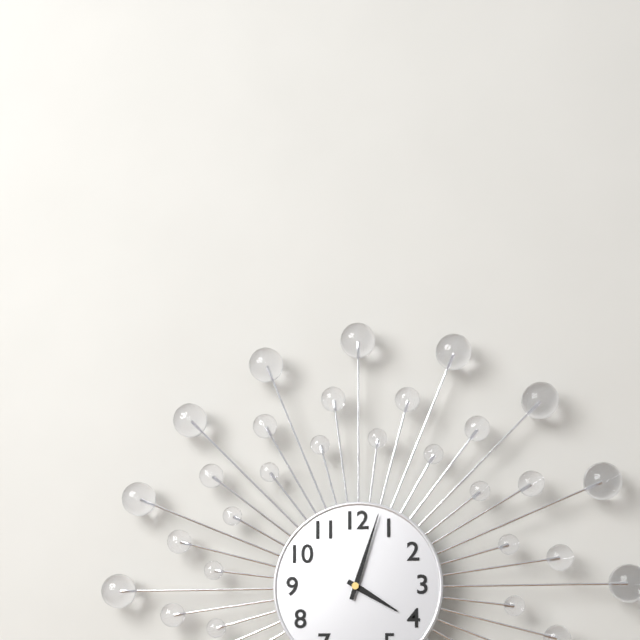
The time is 4h03
